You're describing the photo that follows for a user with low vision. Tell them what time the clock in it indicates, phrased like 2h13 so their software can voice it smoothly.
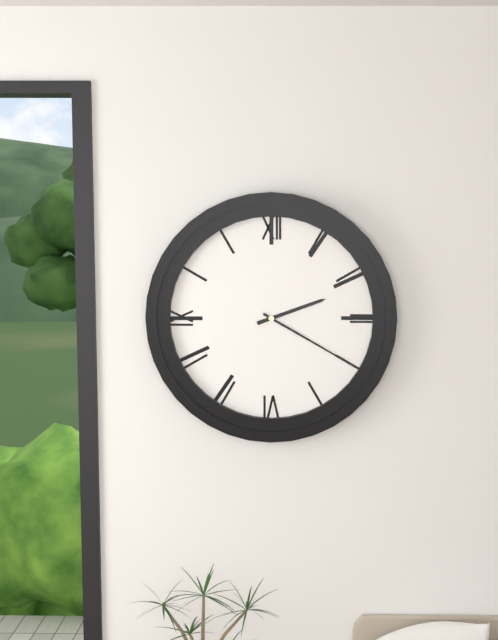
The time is 2h20
